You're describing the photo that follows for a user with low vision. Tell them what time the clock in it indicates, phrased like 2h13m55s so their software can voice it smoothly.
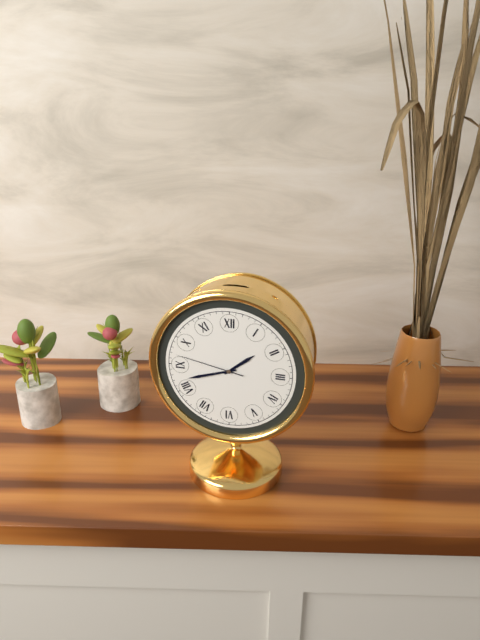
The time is 1h42m47s
